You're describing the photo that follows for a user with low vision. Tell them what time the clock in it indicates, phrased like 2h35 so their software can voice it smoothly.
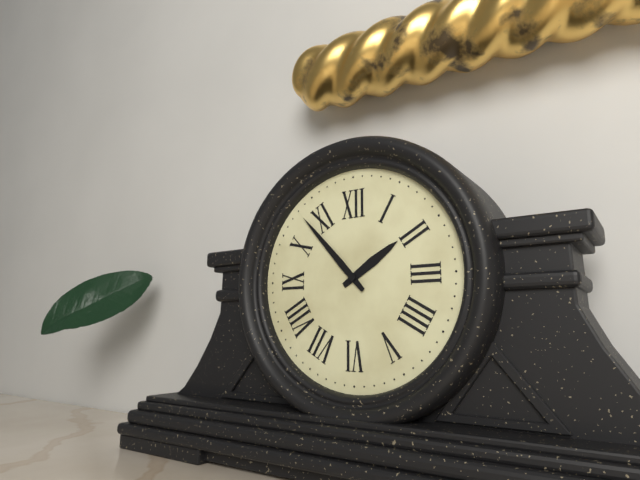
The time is 1h53
